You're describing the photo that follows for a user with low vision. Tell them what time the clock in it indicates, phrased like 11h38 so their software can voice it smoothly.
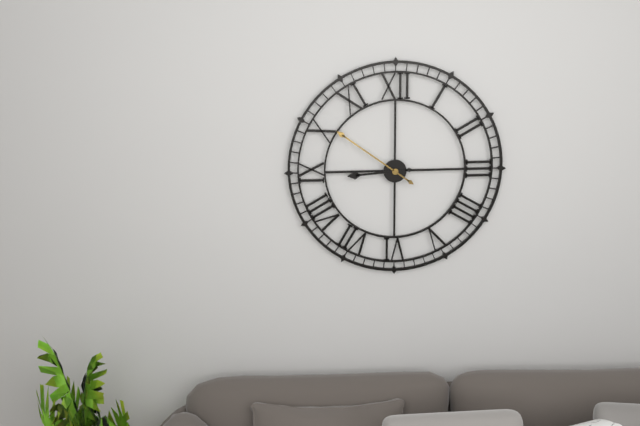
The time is 8h51
